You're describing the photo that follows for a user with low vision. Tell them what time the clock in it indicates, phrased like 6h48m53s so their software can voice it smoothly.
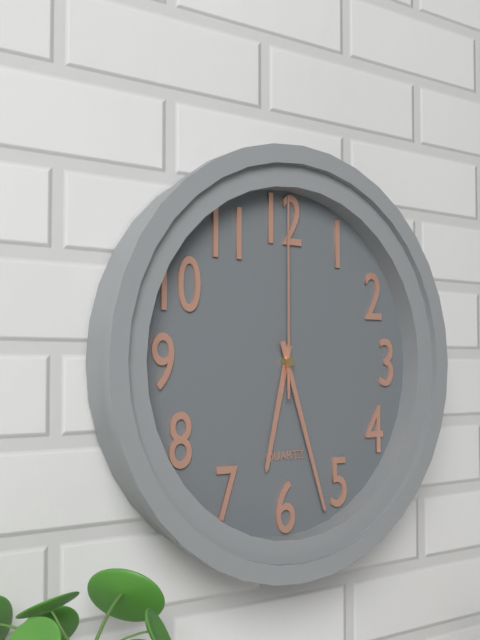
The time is 6h27m00s
